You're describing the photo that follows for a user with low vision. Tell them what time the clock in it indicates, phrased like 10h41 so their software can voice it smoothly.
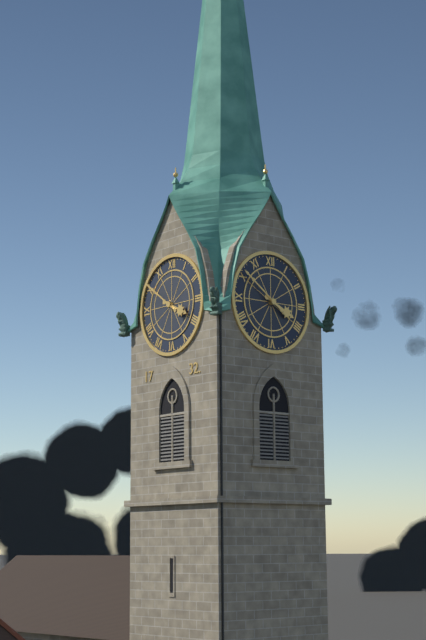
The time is 3h51
